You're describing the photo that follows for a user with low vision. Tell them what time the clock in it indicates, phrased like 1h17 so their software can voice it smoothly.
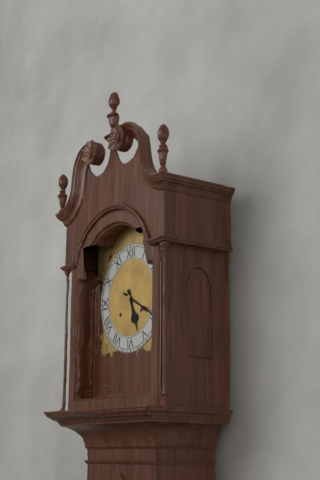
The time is 5h20
